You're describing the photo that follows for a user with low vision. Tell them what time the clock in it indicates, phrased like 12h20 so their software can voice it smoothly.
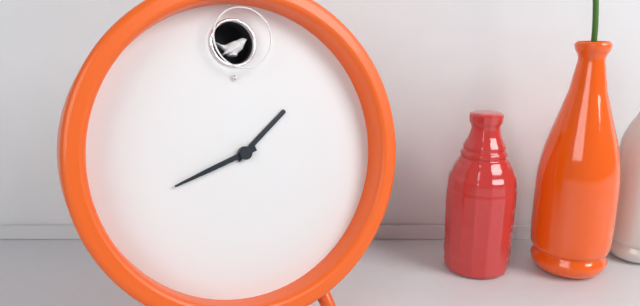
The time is 1h42
